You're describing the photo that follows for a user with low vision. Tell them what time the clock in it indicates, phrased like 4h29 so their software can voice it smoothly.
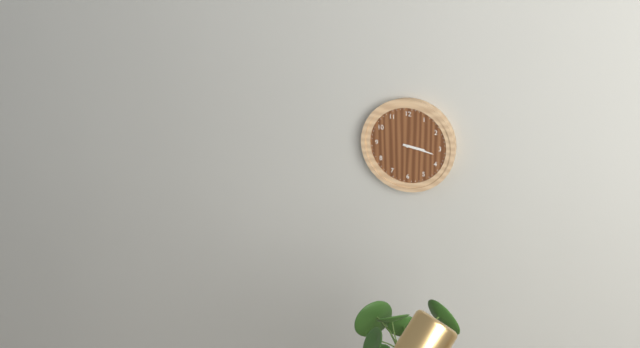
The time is 3h17
